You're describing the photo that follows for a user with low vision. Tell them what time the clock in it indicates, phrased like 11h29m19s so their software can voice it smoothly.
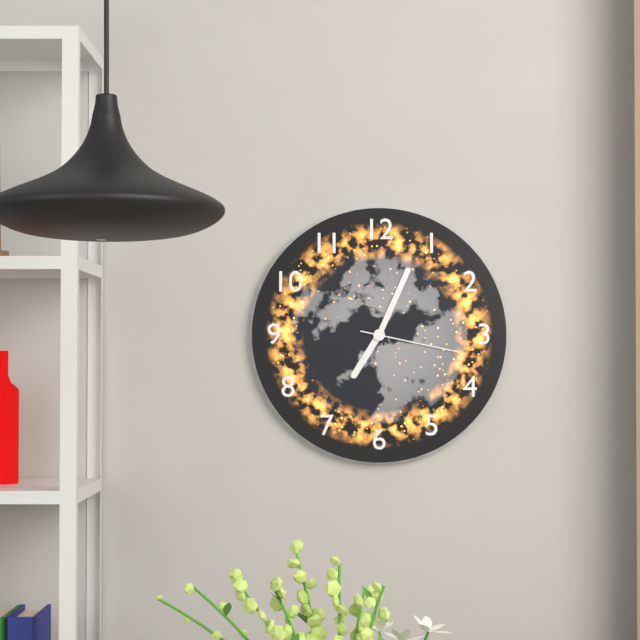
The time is 7h04m17s
